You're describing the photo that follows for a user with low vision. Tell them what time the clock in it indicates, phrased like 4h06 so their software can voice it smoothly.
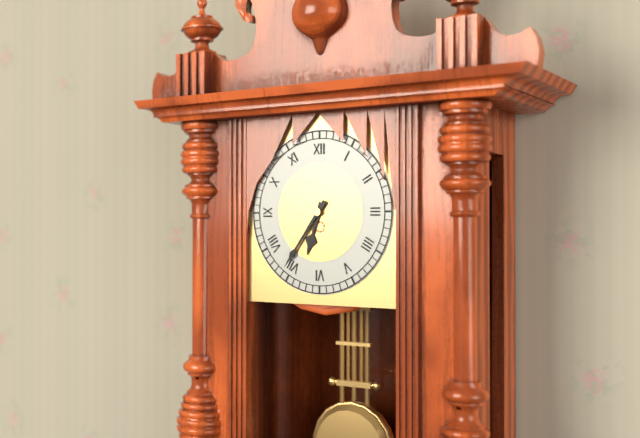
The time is 6h36
